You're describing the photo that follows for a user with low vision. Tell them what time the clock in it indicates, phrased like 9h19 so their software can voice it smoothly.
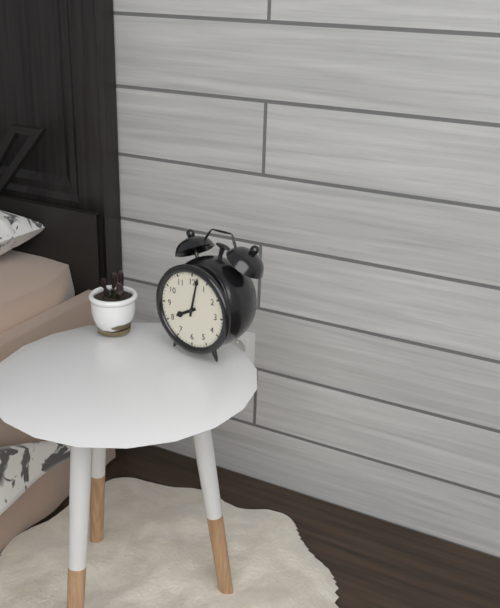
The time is 8h02
